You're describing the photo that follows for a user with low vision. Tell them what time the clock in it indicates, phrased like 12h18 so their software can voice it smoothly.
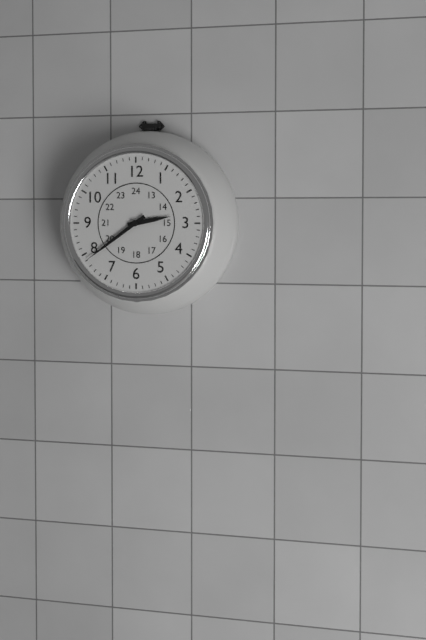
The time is 2h39
